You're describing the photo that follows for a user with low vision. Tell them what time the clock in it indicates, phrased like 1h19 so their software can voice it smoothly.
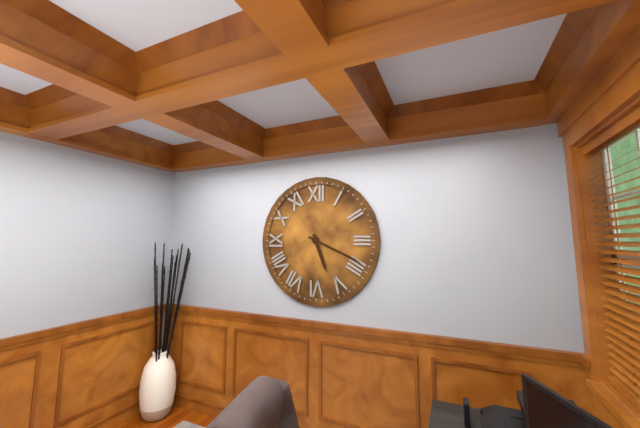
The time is 5h19
